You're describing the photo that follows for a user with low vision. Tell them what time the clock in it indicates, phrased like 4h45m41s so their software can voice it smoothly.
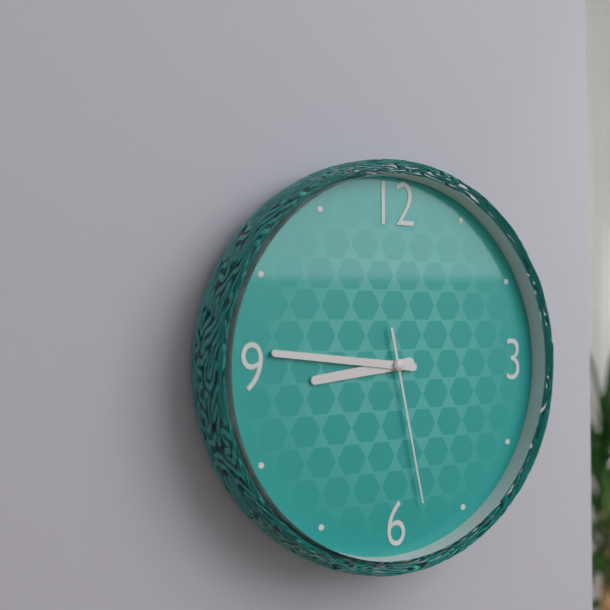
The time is 8h46m28s
